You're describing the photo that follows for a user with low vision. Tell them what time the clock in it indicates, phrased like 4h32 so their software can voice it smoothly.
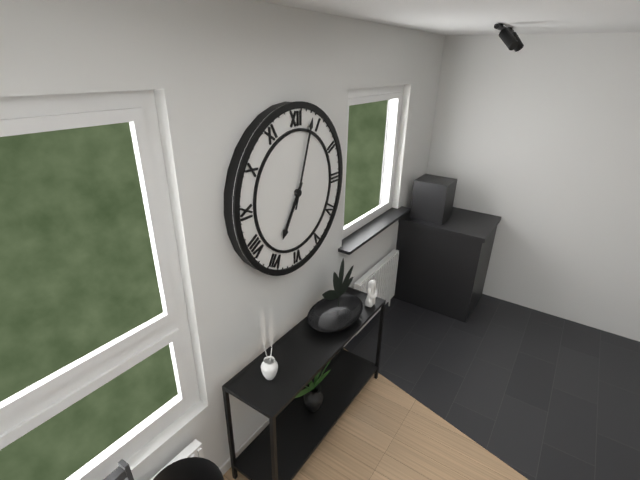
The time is 7h03
